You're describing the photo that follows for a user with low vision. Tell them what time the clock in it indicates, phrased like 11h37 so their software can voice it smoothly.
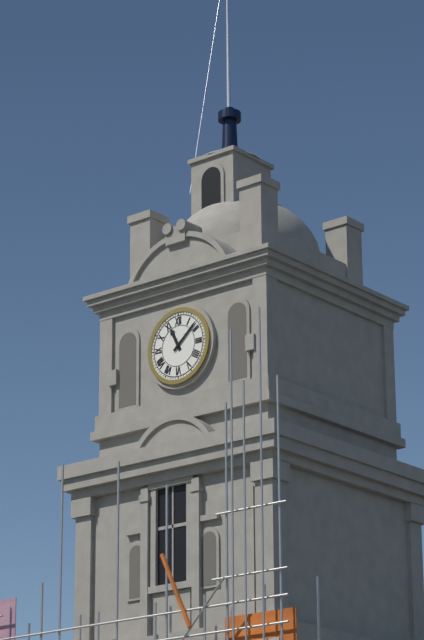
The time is 11h08
